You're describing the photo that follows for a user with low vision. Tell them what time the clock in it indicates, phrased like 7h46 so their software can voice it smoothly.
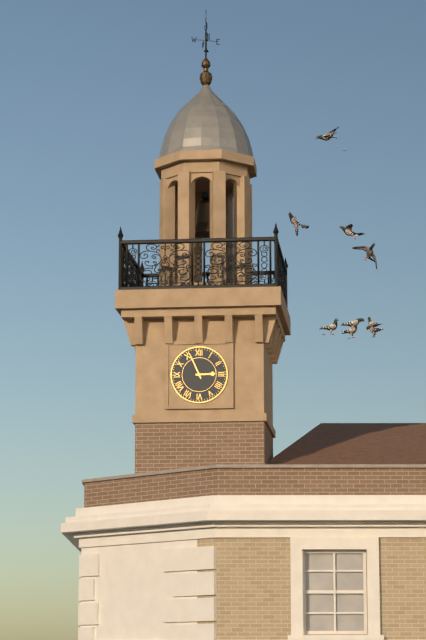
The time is 2h56
